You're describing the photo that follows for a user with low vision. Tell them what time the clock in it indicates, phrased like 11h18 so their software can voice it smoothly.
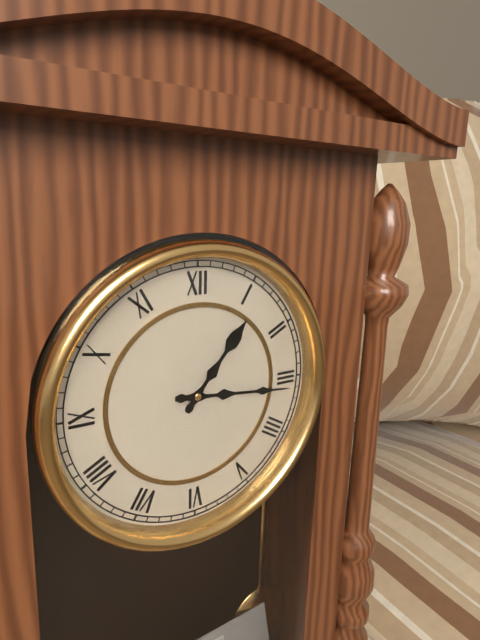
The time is 1h16
